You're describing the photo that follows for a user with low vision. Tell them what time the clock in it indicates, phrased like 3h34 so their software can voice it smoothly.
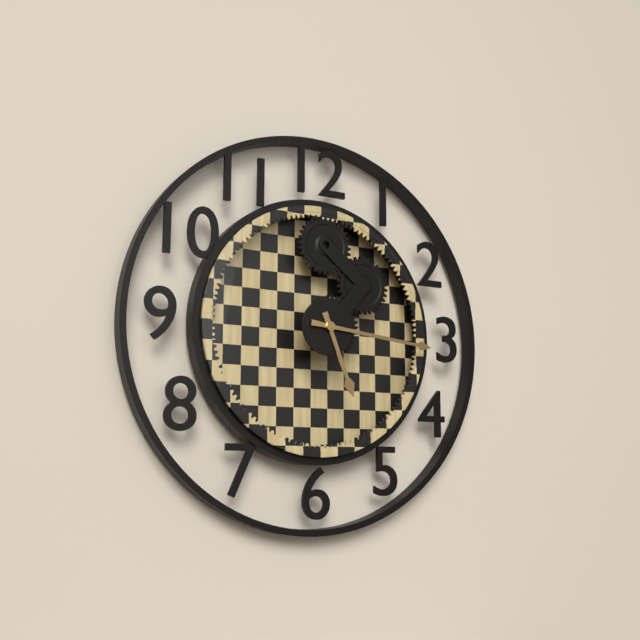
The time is 5h16
